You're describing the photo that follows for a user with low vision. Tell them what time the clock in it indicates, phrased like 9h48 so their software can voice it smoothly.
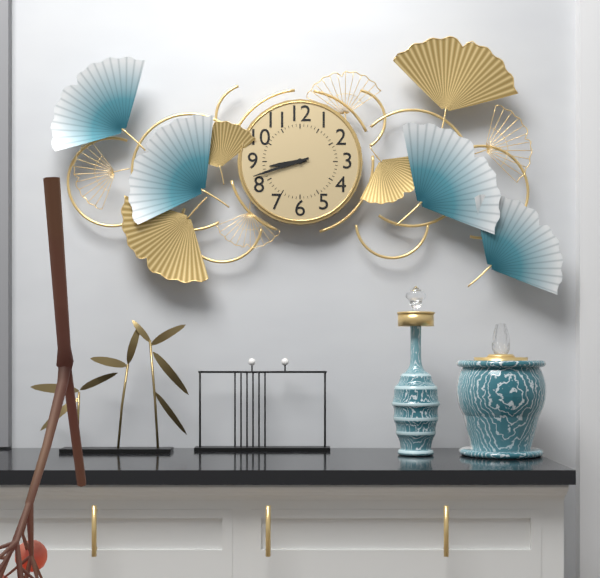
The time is 8h42
